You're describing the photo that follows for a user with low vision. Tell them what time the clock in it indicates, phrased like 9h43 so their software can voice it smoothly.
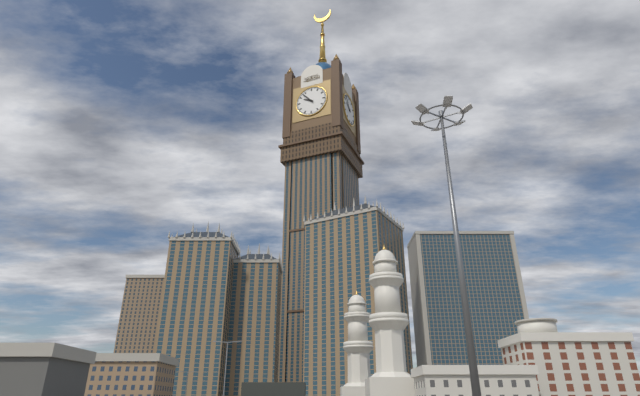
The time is 9h53
